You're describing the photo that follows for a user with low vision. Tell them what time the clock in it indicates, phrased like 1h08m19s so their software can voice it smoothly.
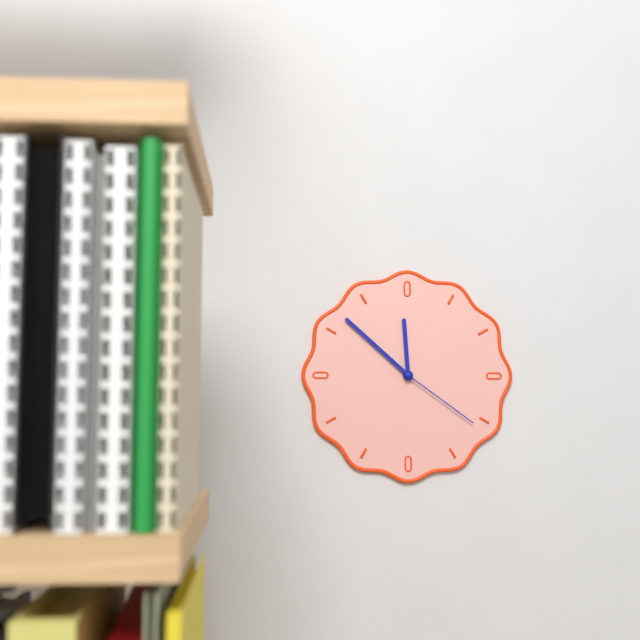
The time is 11h52m21s
